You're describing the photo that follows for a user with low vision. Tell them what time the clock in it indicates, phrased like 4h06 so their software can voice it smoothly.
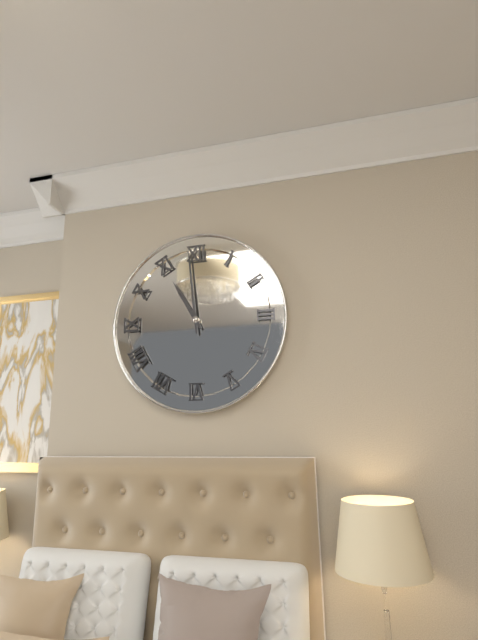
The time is 10h59
